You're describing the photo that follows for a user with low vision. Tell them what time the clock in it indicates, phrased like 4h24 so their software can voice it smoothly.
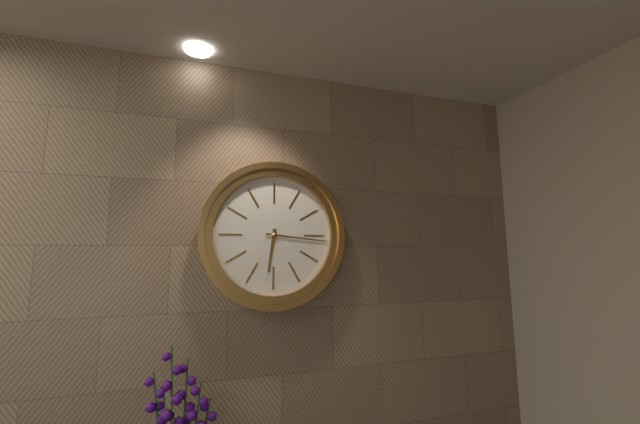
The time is 6h16
